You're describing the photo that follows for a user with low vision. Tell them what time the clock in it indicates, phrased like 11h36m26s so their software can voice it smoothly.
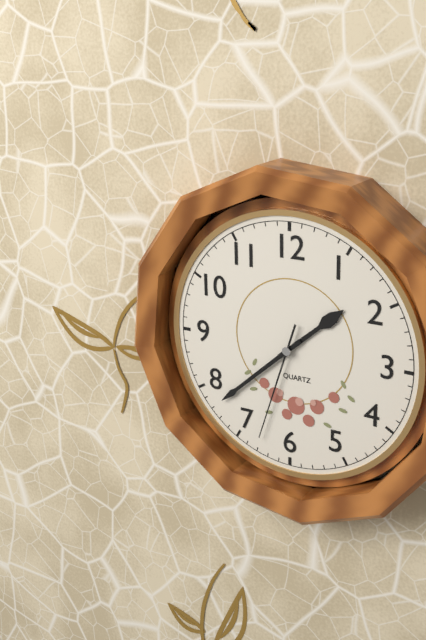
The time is 1h38m33s
